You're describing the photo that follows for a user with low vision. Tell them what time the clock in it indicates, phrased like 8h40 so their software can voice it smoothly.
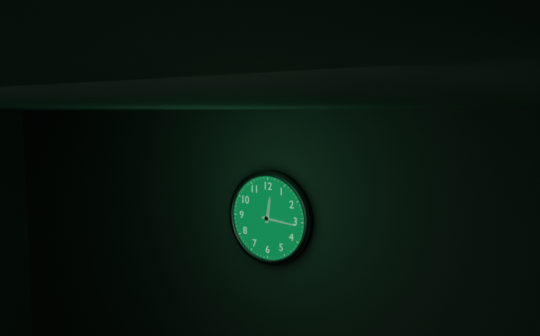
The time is 12h16
